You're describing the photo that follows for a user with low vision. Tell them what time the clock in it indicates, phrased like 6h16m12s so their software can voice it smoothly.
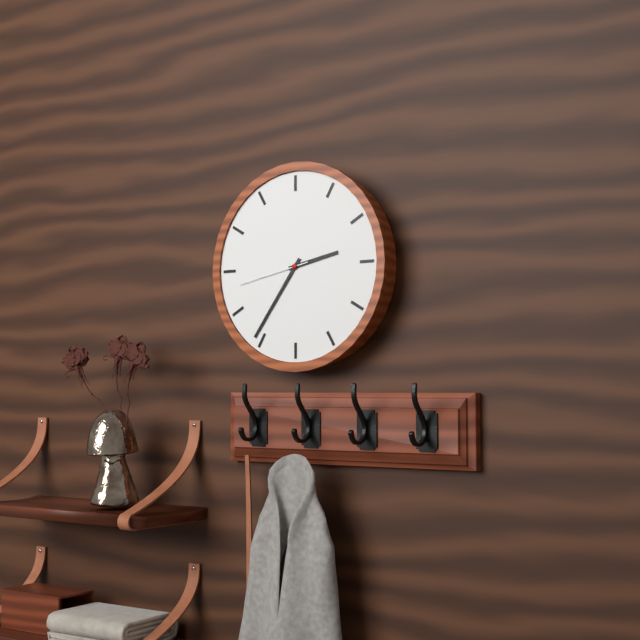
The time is 2h36m43s
